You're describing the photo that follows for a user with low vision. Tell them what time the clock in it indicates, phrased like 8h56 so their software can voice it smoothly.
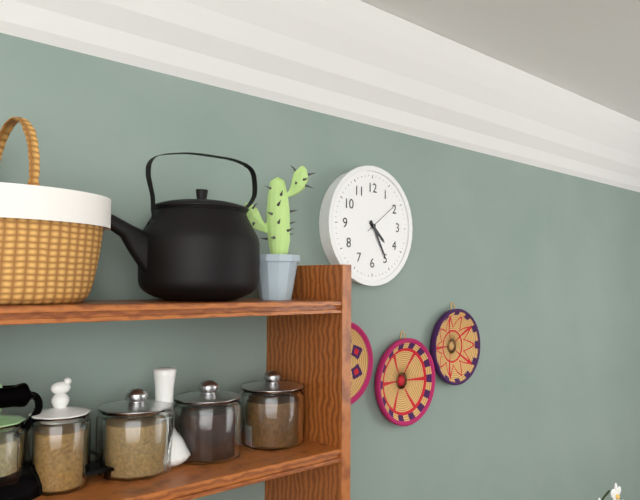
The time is 4h25
